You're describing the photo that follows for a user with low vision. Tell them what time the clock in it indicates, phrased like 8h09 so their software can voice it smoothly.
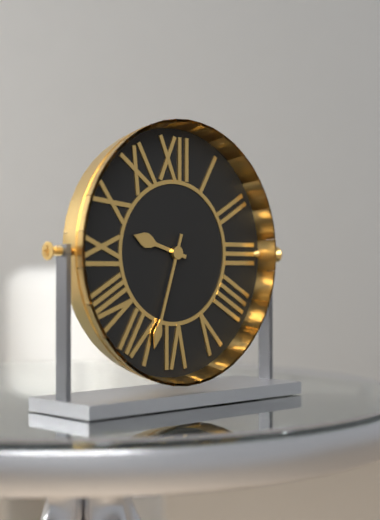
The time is 9h33
